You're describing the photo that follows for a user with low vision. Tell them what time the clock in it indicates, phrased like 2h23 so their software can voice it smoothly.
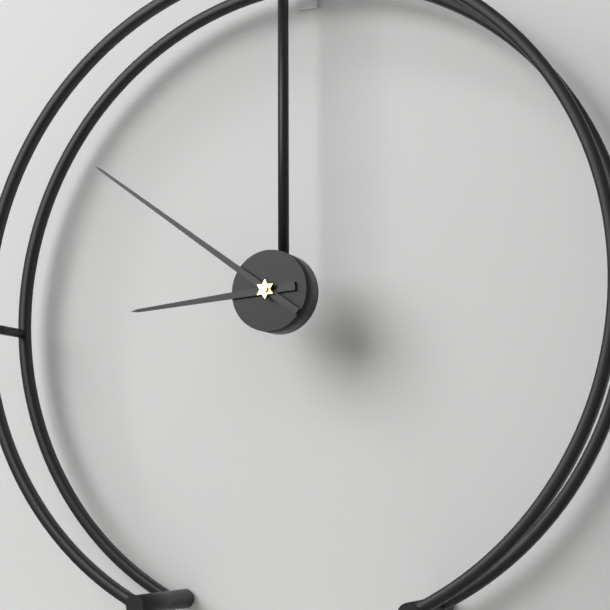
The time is 8h51
